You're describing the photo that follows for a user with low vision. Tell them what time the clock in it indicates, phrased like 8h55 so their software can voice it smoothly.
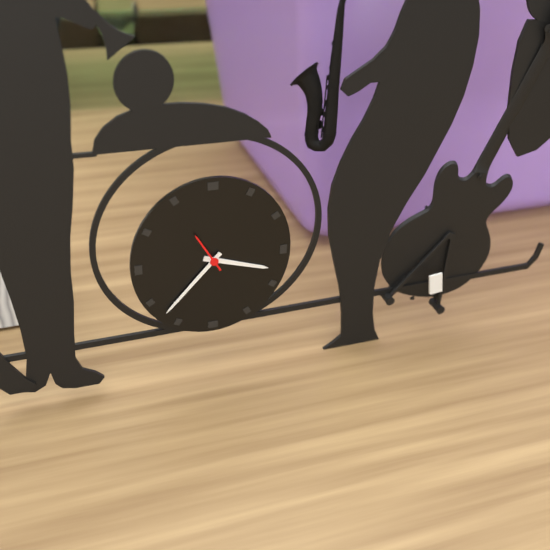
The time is 3h37
